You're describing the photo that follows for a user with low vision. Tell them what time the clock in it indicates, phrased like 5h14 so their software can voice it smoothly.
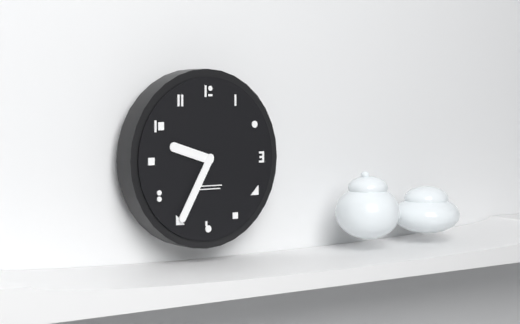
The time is 9h35
